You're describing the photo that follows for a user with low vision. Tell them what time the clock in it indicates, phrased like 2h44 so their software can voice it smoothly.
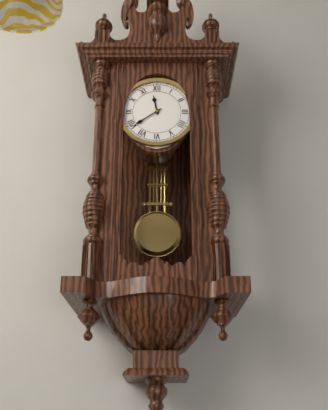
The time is 11h39
